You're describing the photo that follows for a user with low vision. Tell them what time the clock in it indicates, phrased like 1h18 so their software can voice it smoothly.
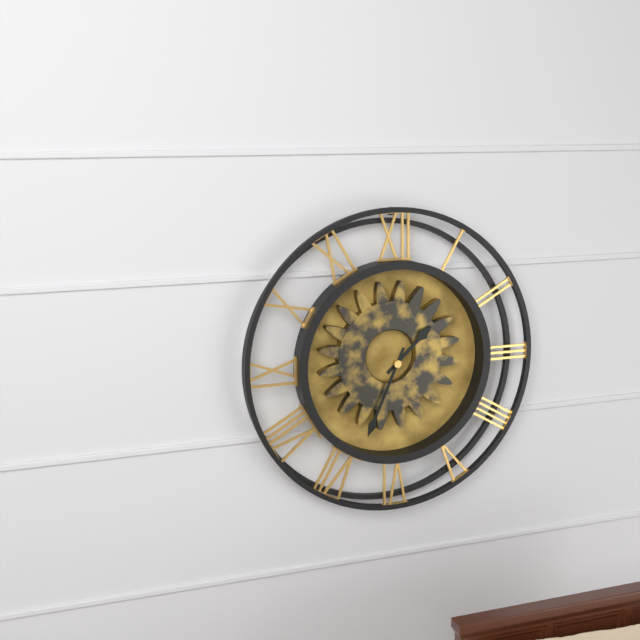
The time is 1h34
